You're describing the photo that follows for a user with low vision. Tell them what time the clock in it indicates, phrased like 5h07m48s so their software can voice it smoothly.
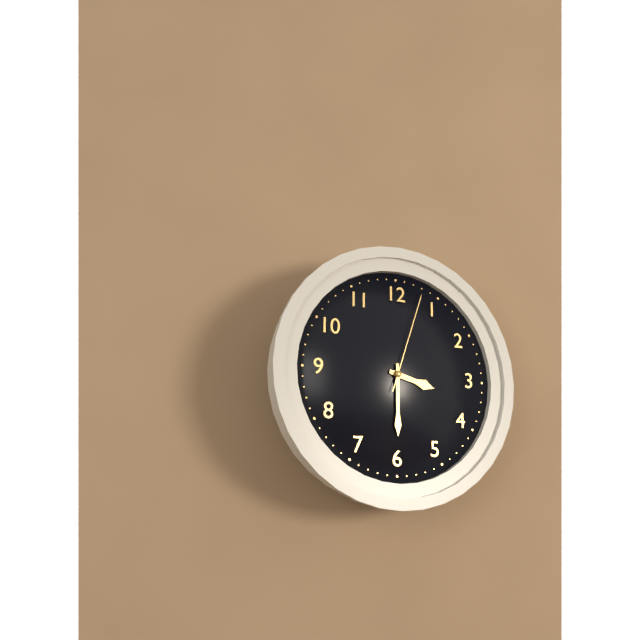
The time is 3h30m03s
